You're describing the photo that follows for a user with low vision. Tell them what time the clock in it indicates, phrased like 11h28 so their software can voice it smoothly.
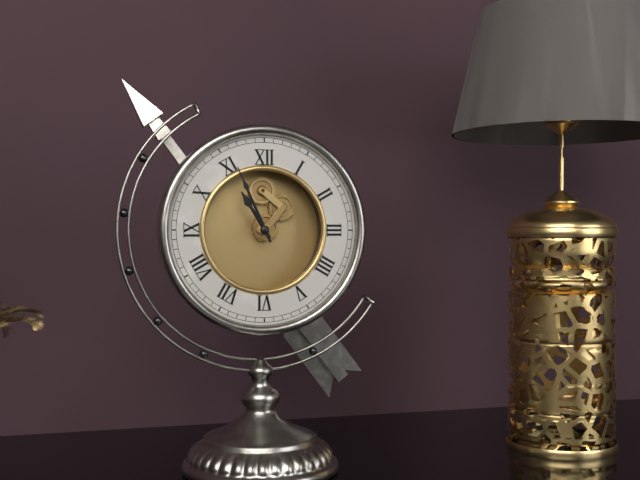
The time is 10h56
